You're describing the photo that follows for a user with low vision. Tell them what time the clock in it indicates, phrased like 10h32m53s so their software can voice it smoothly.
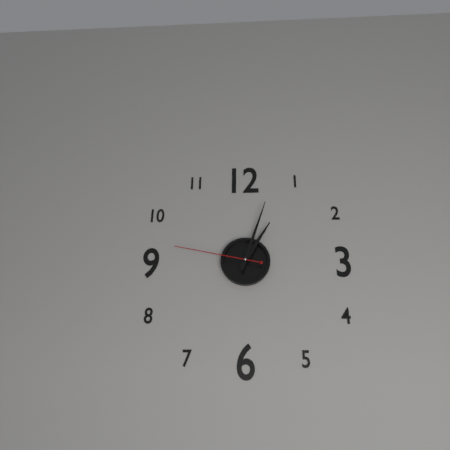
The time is 1h03m47s
